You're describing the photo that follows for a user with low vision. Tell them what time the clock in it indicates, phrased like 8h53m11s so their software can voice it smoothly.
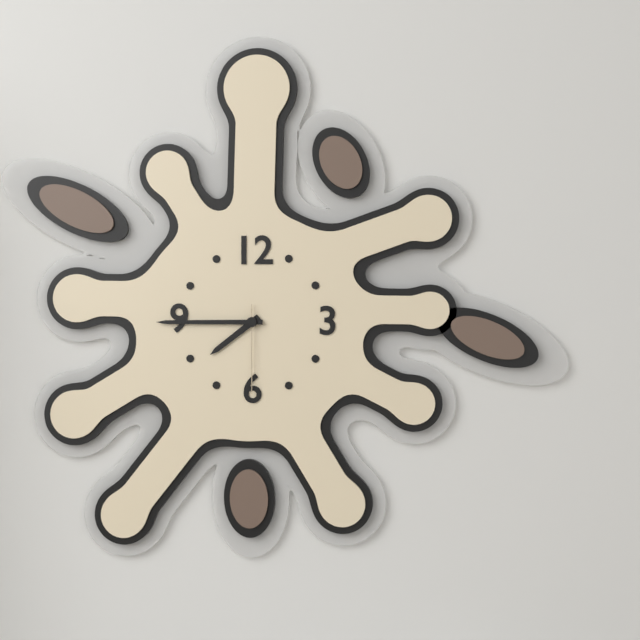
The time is 7h45m30s
